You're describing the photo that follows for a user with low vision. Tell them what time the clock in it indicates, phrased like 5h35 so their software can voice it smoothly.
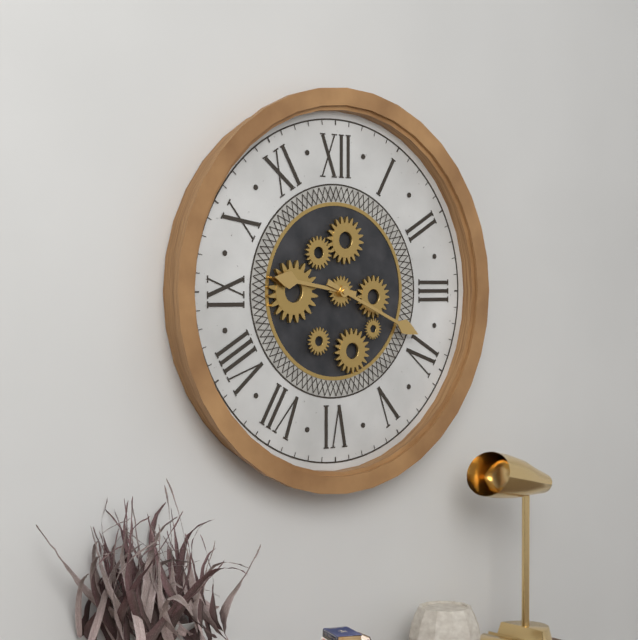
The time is 9h19
